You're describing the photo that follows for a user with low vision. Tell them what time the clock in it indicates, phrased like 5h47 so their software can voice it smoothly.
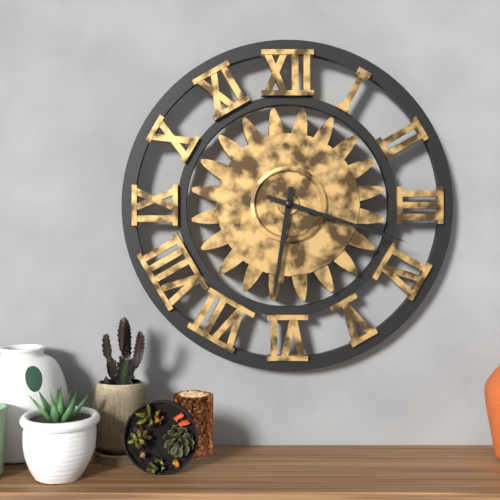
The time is 6h18
